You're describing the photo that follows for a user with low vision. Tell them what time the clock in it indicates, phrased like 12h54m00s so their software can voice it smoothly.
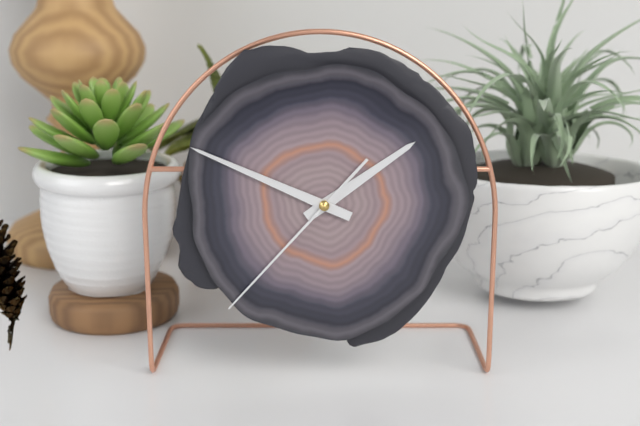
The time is 1h49m37s
